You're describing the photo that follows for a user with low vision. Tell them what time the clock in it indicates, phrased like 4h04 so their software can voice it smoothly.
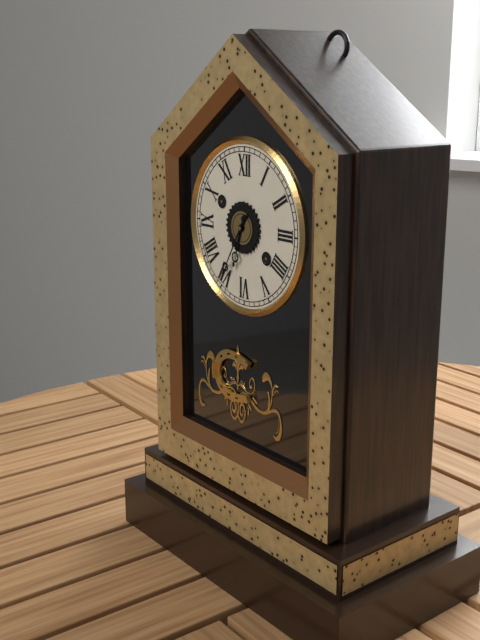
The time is 6h35
